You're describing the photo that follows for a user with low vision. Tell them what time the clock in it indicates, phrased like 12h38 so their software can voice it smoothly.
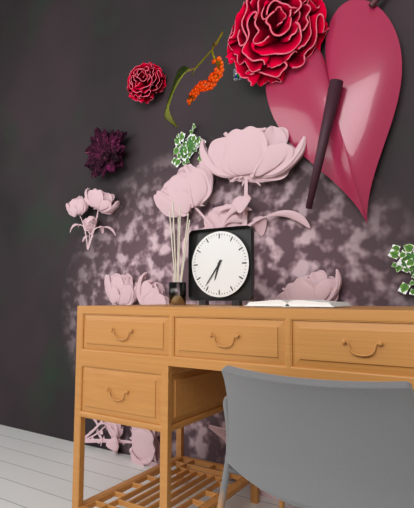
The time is 6h36
